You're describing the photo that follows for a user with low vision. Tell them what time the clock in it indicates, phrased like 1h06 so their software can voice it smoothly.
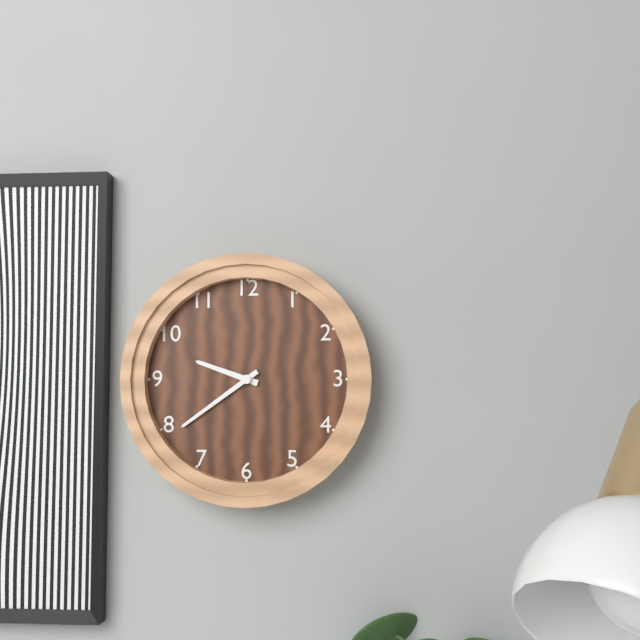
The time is 9h39
